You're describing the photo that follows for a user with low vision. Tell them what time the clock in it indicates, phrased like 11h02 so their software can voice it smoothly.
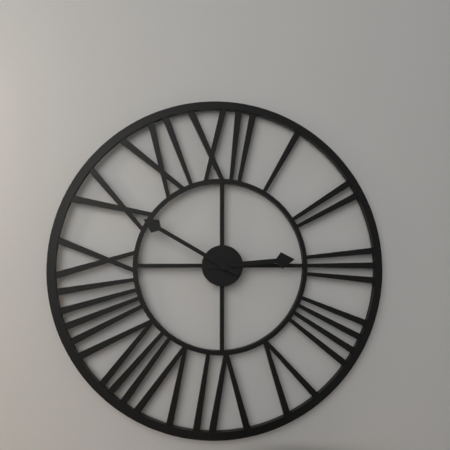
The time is 2h50
